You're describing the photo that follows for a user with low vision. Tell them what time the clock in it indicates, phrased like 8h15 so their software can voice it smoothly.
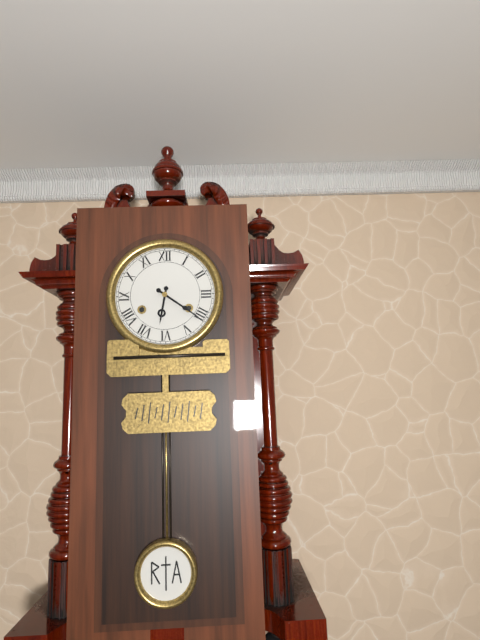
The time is 6h21
